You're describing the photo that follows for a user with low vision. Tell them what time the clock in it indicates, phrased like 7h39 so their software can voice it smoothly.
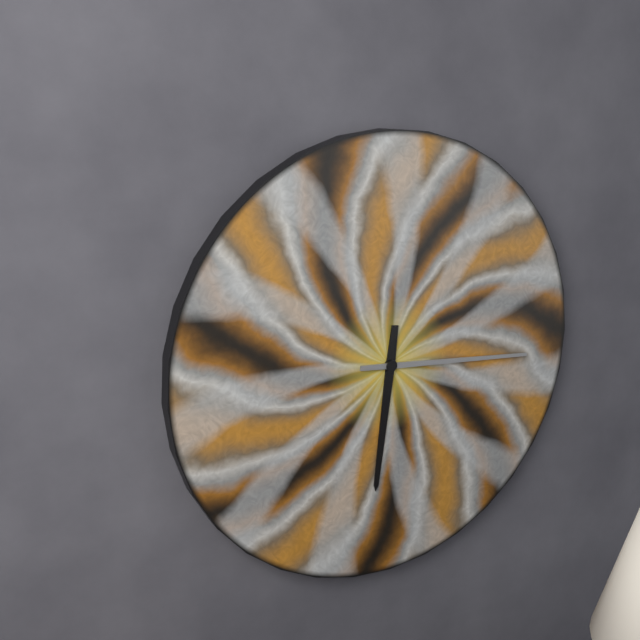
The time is 6h16
